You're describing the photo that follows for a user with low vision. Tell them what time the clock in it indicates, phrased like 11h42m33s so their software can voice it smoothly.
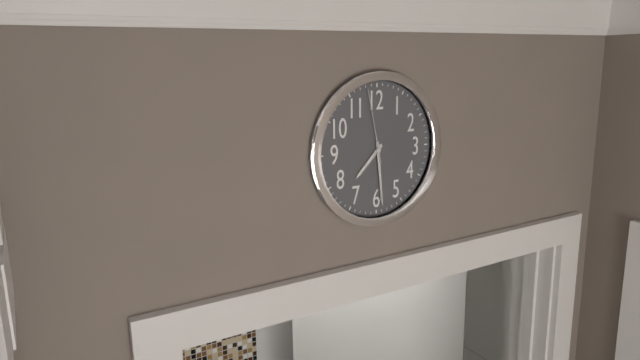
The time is 7h29m58s
